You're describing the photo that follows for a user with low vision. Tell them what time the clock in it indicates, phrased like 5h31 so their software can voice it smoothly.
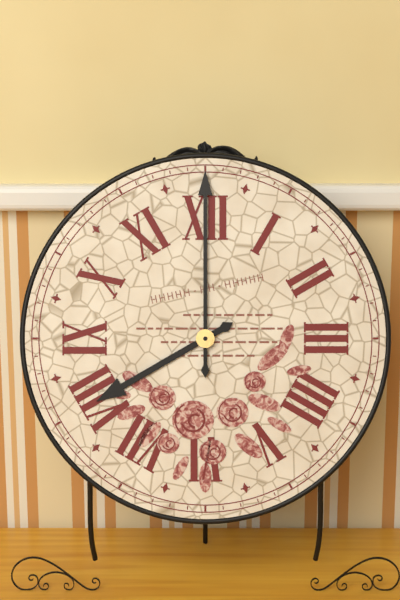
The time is 8h00
